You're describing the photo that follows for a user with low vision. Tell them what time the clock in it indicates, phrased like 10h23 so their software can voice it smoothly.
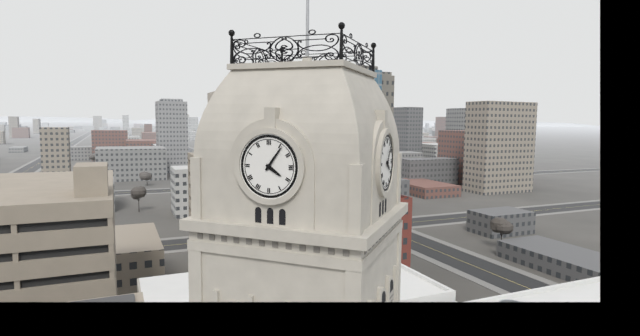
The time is 4h06
